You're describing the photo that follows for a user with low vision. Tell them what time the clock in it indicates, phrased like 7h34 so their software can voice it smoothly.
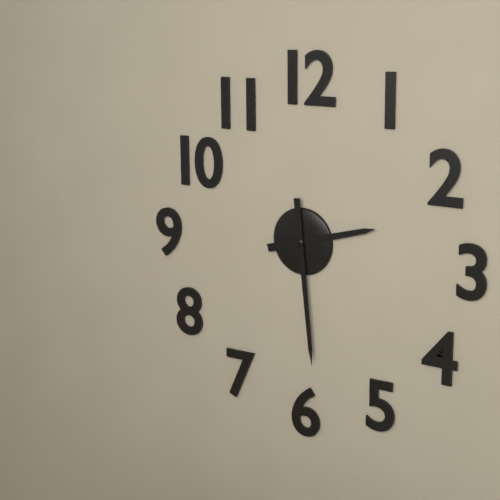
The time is 2h29
